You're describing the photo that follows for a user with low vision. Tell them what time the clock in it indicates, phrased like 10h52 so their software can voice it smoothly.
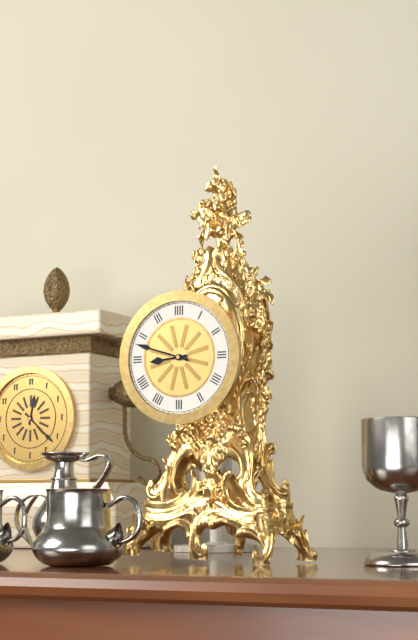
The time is 8h48
